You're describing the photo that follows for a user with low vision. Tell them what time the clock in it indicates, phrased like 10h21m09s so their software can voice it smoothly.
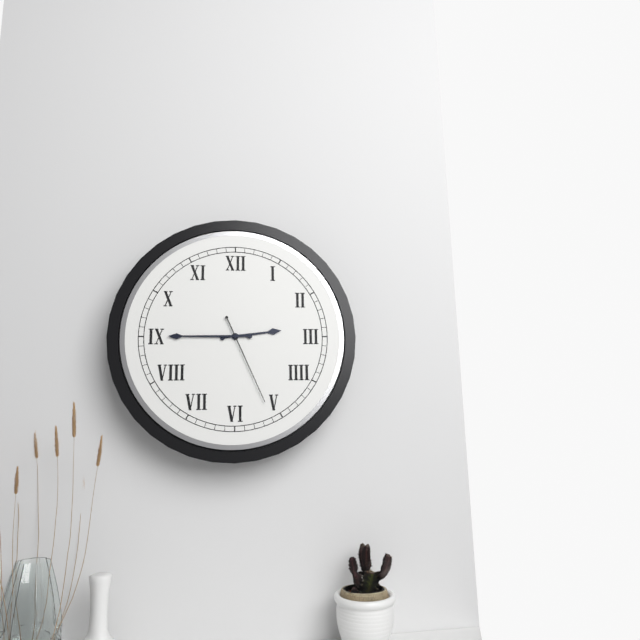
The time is 2h45m26s
